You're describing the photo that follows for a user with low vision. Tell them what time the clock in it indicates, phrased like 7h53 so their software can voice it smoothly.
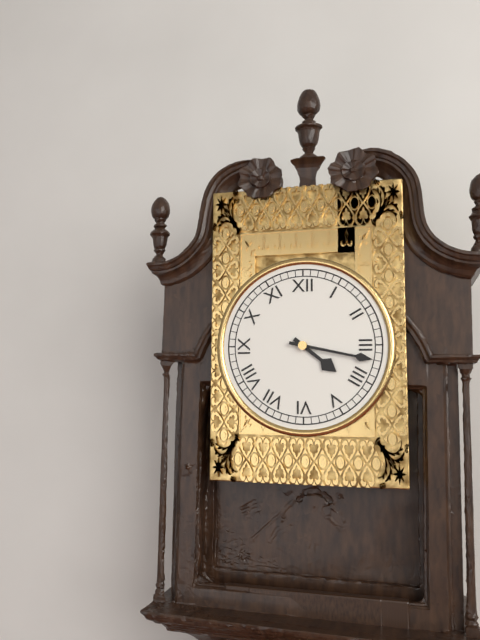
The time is 4h17
